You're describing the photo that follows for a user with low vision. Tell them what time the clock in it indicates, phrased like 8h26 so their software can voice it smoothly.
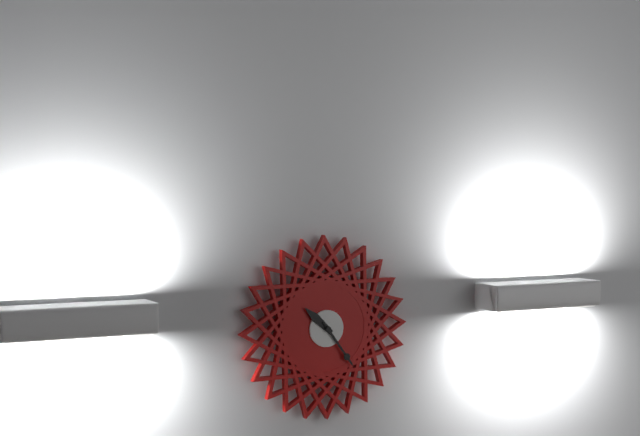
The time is 10h24
